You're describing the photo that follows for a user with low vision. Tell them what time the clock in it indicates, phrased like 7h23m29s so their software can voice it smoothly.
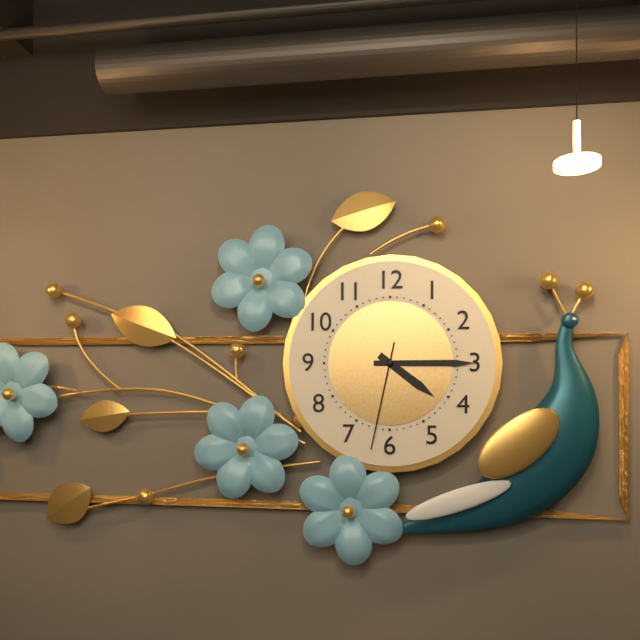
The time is 4h15m32s
